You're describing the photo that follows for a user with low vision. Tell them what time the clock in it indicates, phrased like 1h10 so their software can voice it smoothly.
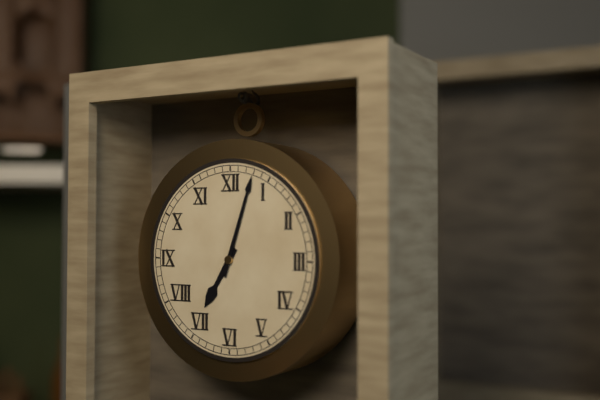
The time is 7h03
